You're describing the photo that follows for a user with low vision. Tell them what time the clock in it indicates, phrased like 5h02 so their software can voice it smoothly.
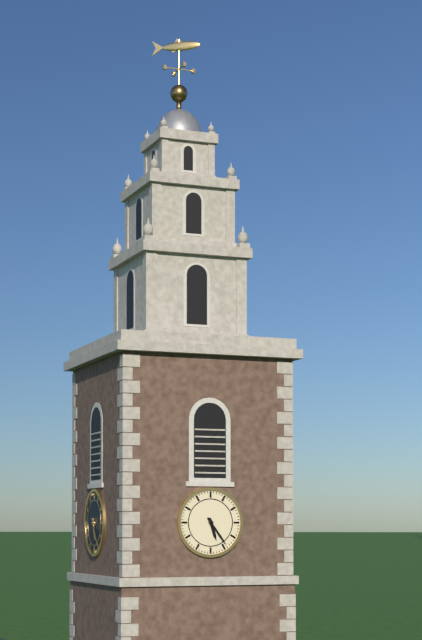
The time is 5h24
